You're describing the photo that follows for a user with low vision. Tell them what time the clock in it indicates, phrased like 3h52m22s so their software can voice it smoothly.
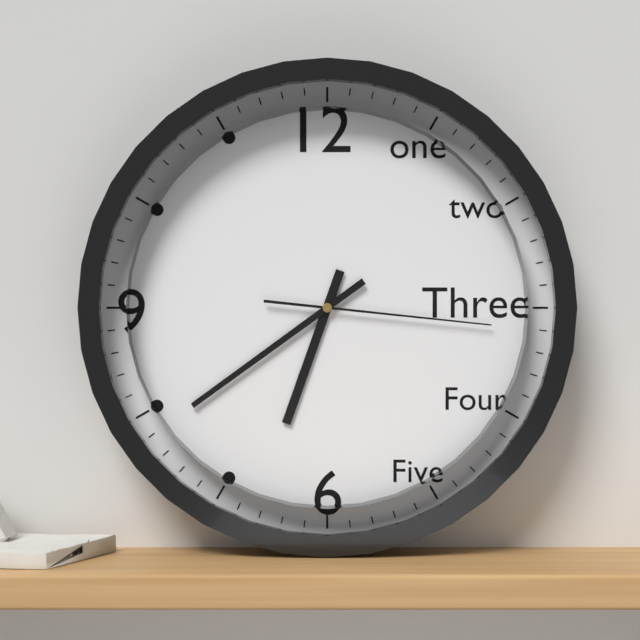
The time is 6h39m16s
